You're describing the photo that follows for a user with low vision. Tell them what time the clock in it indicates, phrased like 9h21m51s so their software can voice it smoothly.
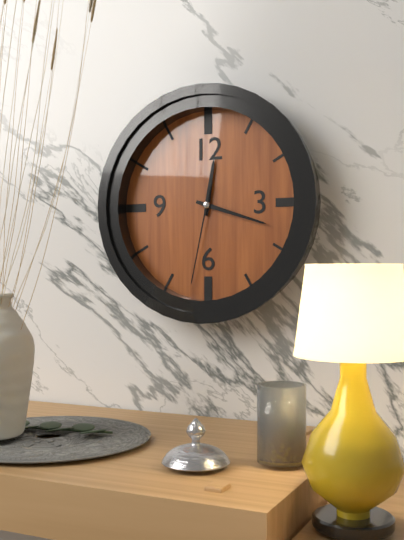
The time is 12h18m32s
